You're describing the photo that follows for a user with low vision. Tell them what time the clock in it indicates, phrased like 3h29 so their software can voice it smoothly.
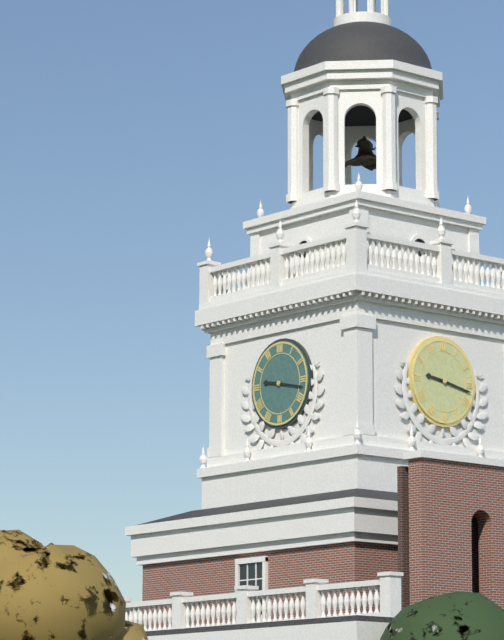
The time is 9h17
